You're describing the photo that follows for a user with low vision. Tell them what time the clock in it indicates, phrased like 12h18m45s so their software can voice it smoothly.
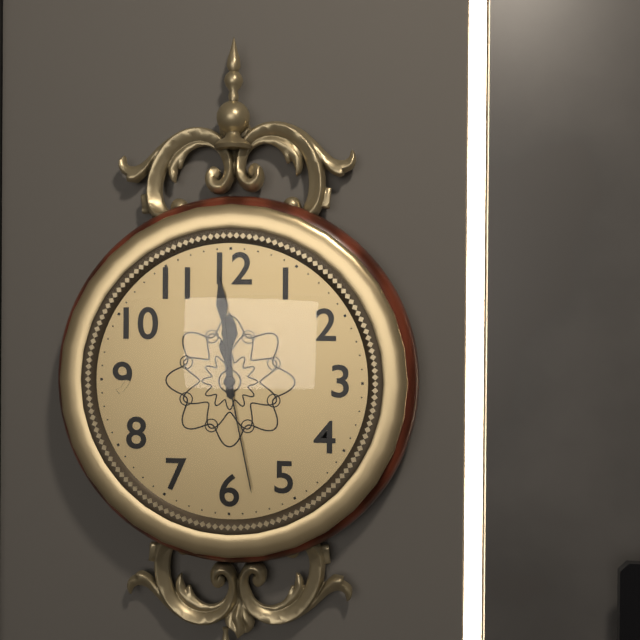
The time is 11h59m28s
